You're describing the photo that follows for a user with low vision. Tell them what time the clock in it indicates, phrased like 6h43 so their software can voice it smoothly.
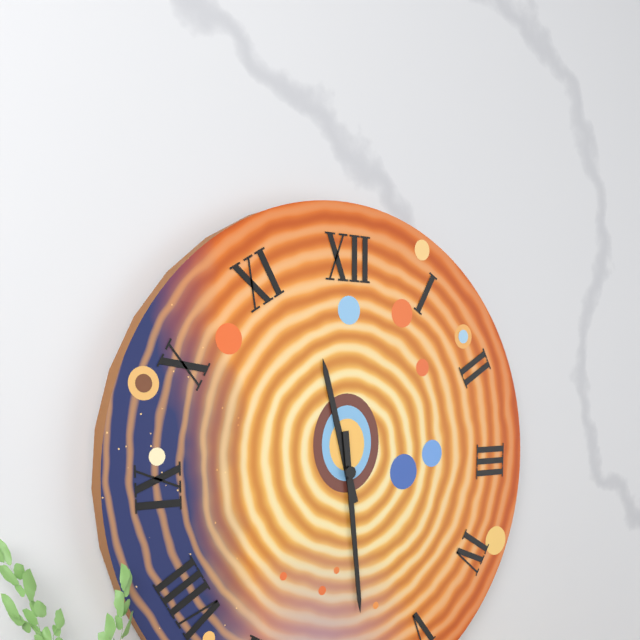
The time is 11h29
